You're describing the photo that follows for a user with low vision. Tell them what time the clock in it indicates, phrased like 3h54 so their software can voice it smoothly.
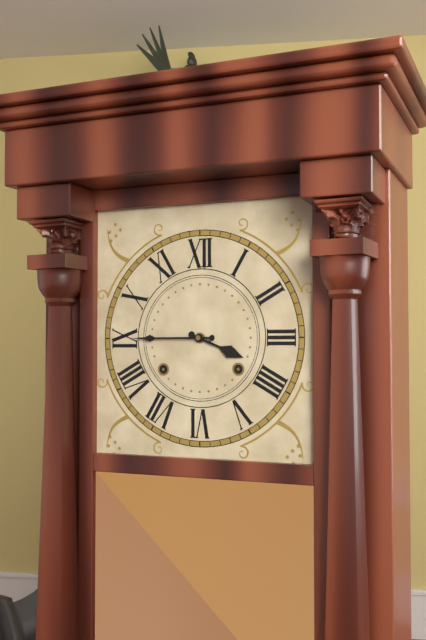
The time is 3h45
